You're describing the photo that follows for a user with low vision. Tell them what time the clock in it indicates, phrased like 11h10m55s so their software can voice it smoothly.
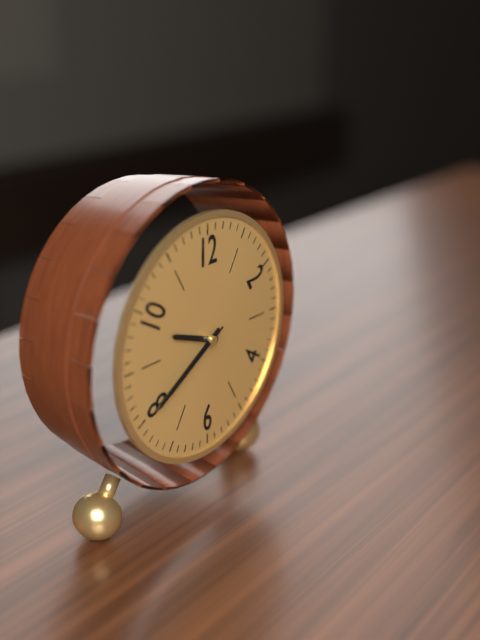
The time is 9h40m40s
